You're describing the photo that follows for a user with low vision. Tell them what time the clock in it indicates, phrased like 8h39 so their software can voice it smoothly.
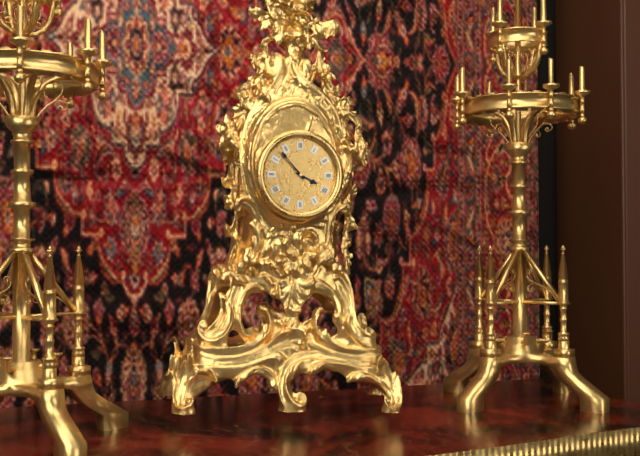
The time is 3h53
